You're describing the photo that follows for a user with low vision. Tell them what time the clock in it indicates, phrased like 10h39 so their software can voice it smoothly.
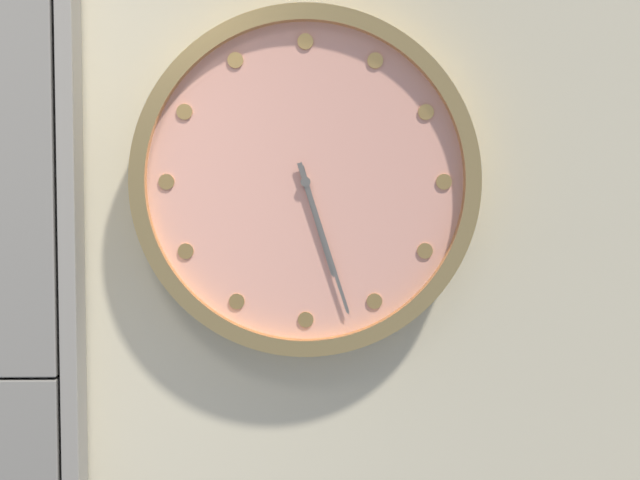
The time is 5h27
